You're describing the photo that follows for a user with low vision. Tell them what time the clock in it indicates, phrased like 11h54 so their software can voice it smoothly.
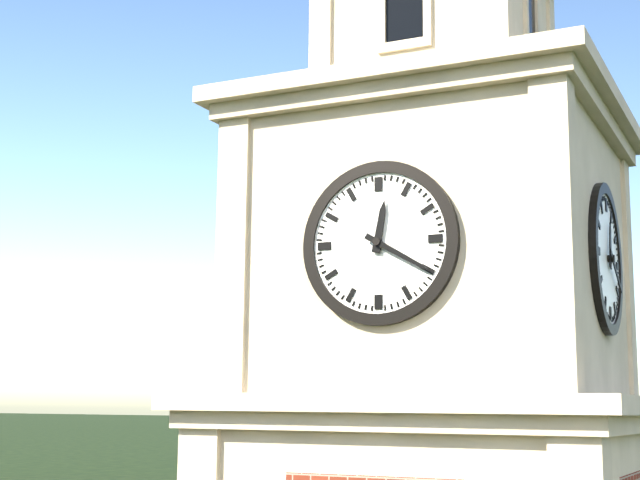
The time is 12h20
